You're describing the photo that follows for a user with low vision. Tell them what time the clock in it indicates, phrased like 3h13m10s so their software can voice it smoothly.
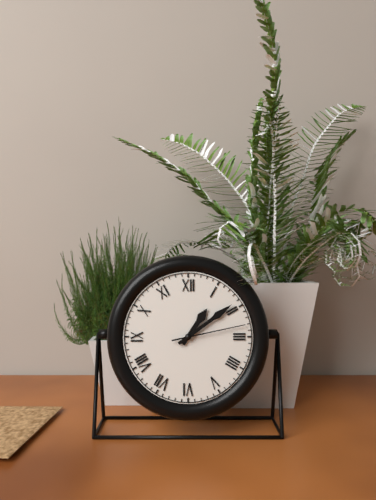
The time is 1h09m13s
